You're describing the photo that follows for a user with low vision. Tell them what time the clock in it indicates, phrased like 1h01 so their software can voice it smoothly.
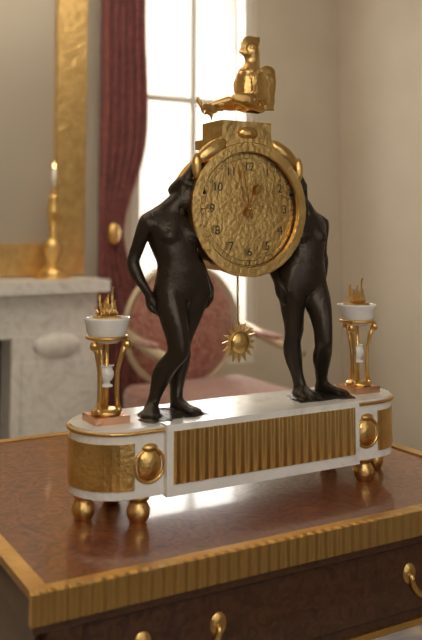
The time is 12h58
